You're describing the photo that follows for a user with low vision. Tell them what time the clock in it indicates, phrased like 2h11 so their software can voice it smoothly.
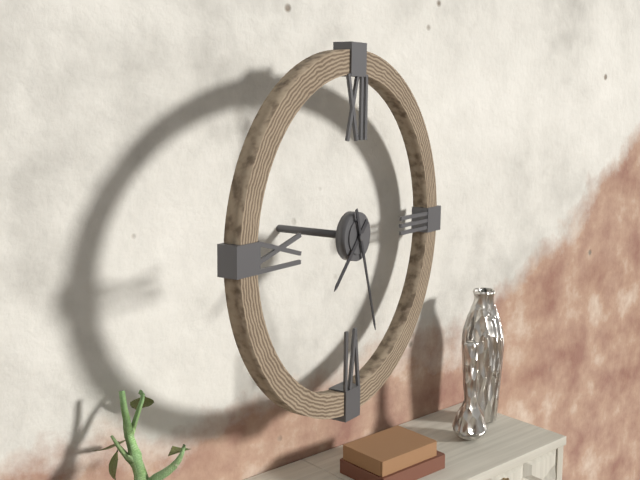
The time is 7h27
